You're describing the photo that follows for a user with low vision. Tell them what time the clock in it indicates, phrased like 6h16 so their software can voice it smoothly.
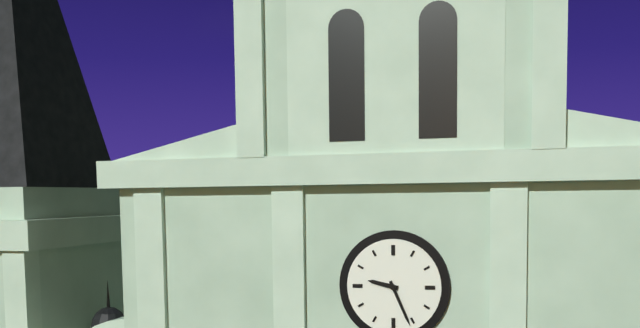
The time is 9h26
